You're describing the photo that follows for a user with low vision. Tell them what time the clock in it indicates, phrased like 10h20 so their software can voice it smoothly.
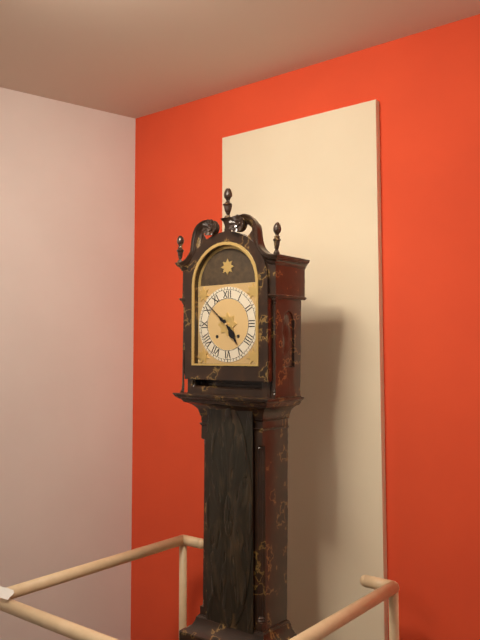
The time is 4h52
